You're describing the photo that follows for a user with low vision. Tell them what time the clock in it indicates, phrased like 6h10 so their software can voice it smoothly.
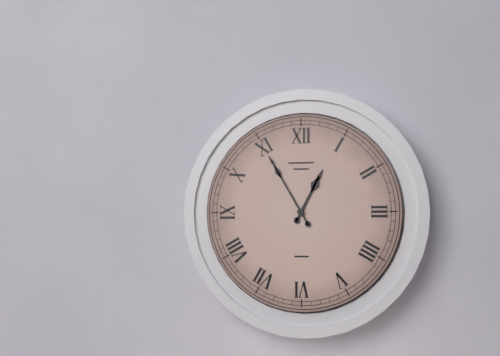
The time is 12h55
